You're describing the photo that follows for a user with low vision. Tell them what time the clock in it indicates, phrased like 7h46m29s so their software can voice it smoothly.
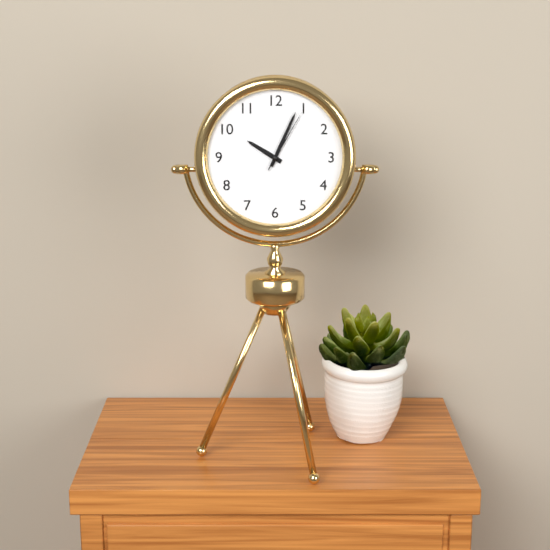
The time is 10h04m05s
